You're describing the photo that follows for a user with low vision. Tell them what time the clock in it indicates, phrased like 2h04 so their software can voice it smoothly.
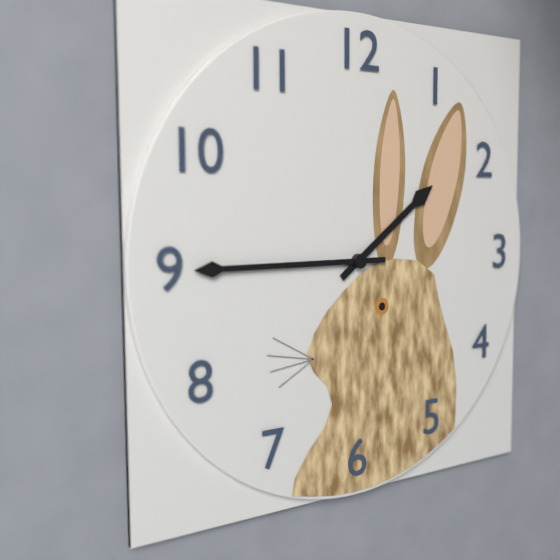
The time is 1h45
